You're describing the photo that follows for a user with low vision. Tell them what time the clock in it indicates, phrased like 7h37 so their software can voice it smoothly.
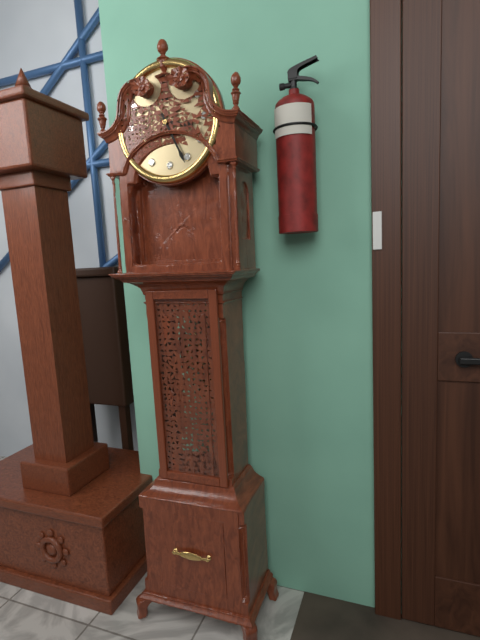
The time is 3h26
